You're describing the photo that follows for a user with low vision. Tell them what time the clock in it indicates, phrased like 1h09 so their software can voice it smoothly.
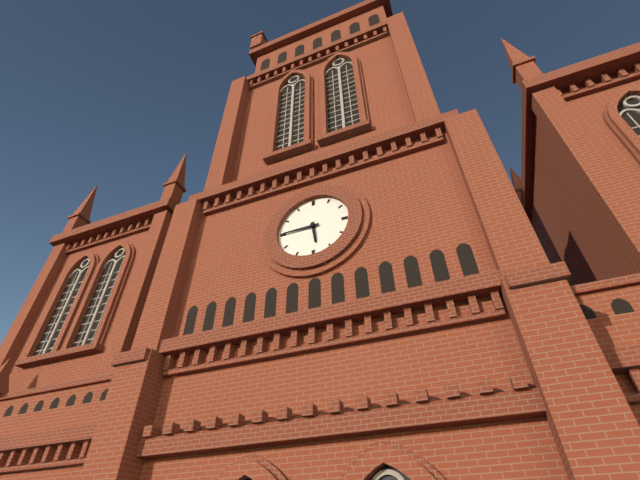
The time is 5h45
